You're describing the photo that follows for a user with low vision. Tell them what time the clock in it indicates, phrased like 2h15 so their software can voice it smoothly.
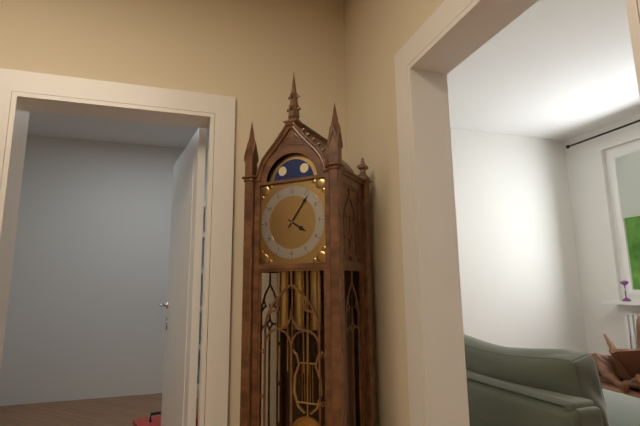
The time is 4h06
